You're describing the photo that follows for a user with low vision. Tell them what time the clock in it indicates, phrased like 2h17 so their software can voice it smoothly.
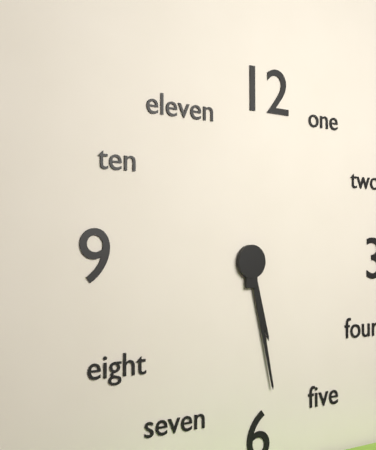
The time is 5h28
